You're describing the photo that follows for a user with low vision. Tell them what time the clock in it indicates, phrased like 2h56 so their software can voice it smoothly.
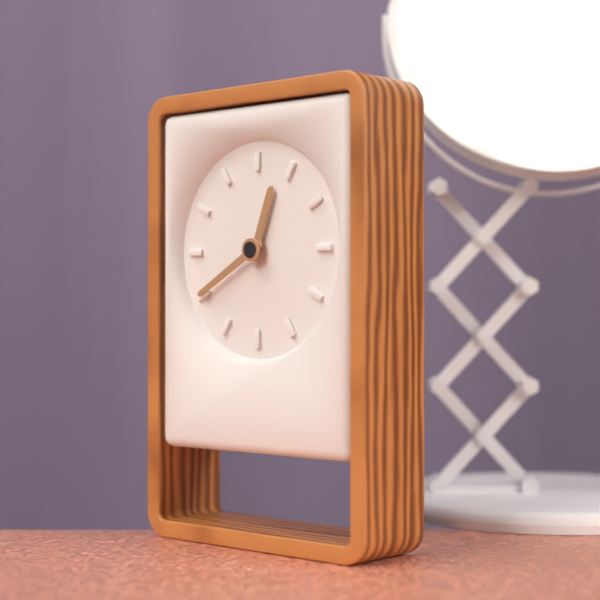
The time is 12h40
